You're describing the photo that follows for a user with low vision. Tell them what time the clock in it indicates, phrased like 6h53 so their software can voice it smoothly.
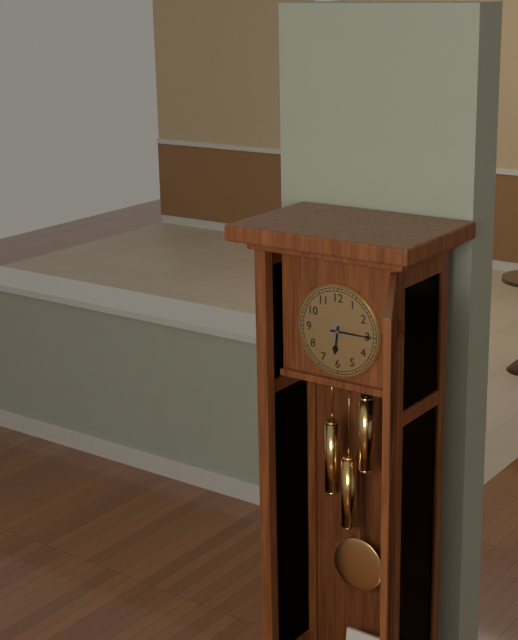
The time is 6h15
